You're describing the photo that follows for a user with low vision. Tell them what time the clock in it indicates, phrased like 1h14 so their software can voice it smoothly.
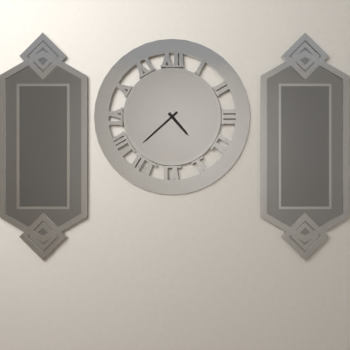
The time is 4h38
